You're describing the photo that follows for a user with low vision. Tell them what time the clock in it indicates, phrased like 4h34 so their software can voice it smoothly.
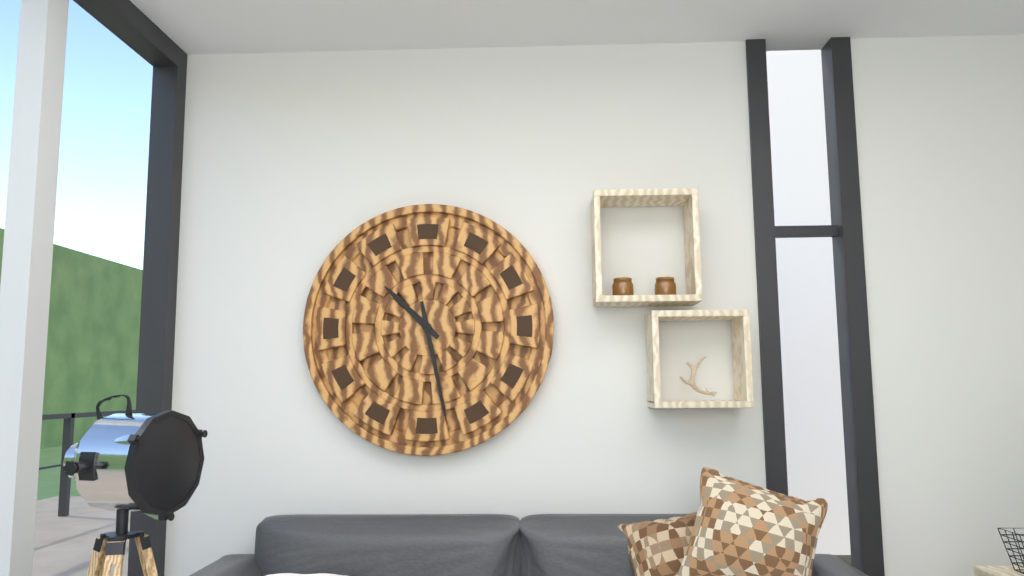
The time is 10h28
